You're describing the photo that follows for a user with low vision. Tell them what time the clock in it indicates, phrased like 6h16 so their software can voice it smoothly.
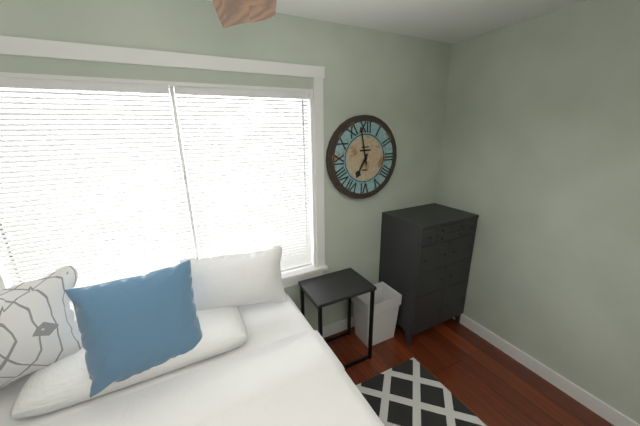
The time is 6h58
